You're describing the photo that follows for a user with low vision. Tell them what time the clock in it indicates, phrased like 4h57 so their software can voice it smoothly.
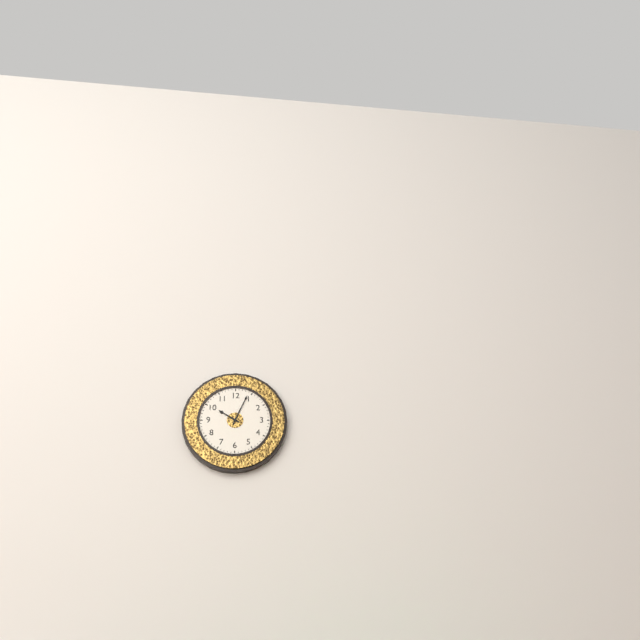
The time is 10h04
